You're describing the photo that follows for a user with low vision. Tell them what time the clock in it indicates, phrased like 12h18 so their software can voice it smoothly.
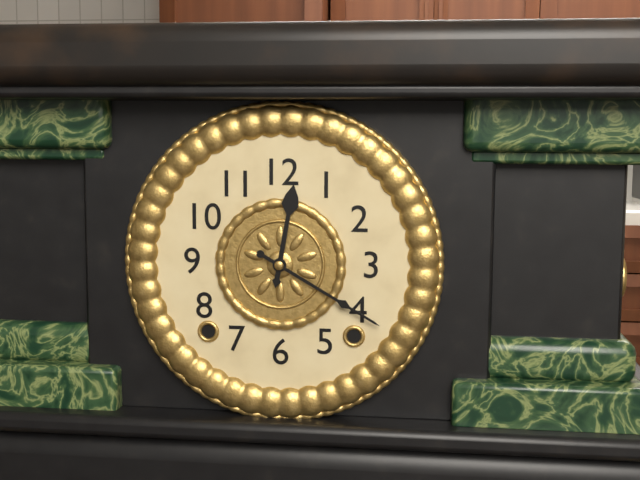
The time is 12h20
